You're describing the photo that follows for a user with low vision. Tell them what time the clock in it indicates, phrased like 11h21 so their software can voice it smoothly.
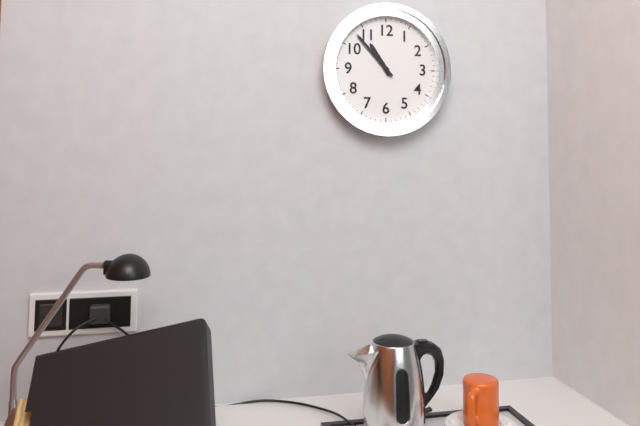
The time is 10h53
